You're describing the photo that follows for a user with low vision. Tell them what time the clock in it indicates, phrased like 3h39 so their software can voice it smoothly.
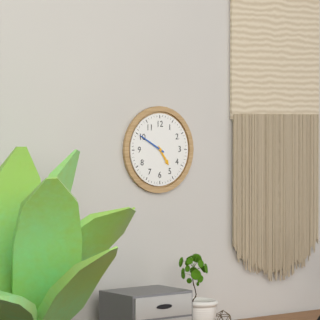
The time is 4h50
